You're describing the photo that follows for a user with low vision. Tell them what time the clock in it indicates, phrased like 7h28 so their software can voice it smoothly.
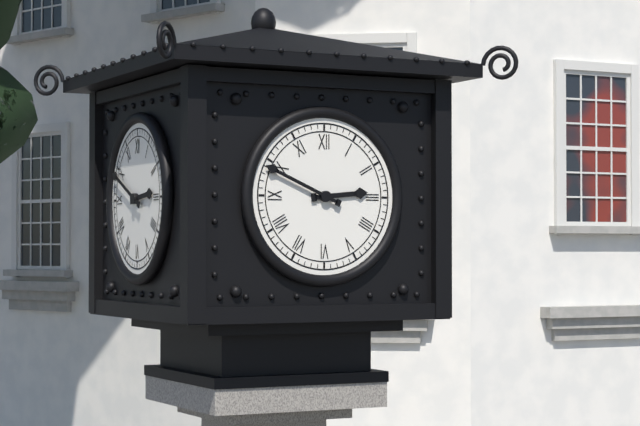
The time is 2h49
